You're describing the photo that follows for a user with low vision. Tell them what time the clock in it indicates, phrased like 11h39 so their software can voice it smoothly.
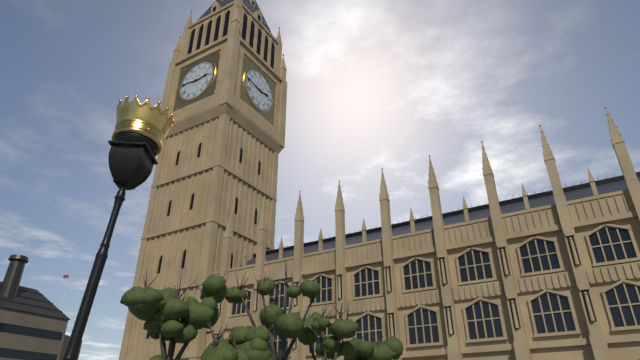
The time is 2h46
